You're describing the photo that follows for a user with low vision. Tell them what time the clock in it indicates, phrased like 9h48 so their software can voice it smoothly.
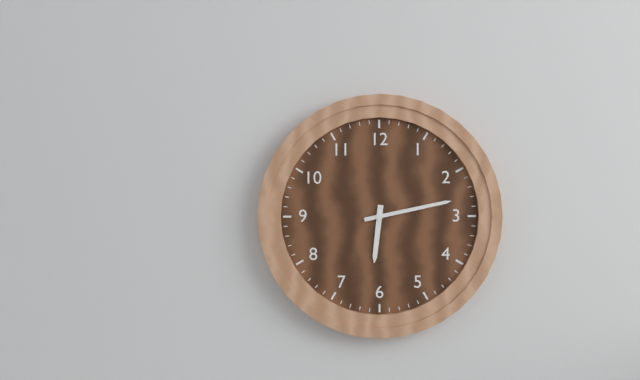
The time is 6h13
